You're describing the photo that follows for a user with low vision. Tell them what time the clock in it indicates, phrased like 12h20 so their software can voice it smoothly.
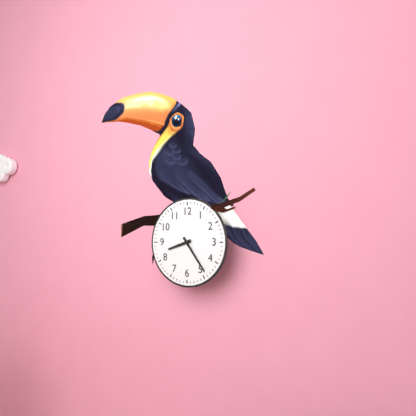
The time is 8h24
